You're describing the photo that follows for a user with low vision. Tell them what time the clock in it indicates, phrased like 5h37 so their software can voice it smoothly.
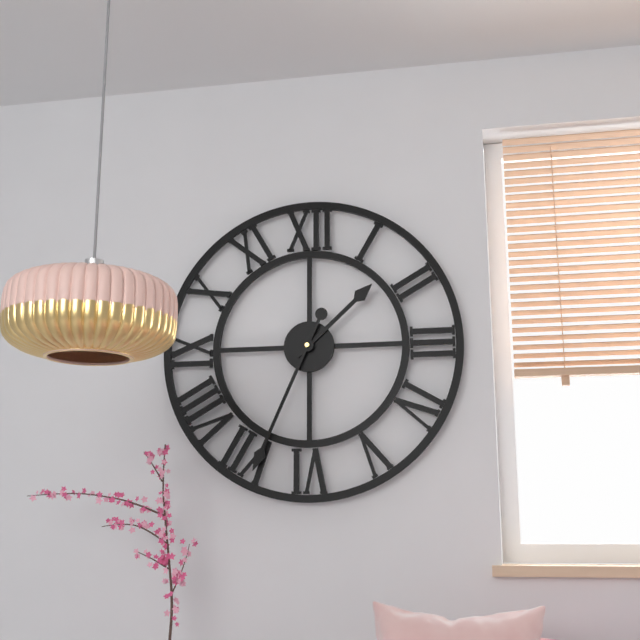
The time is 1h34
